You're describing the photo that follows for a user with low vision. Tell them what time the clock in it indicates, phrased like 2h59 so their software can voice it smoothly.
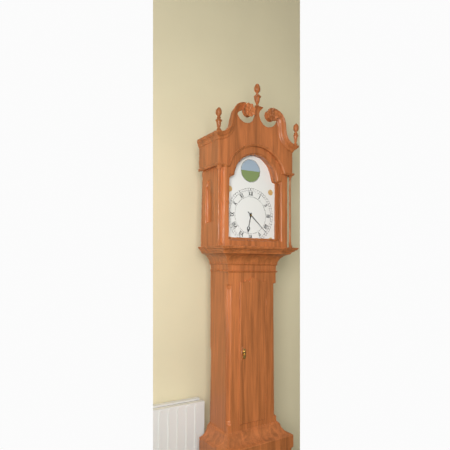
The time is 6h22
